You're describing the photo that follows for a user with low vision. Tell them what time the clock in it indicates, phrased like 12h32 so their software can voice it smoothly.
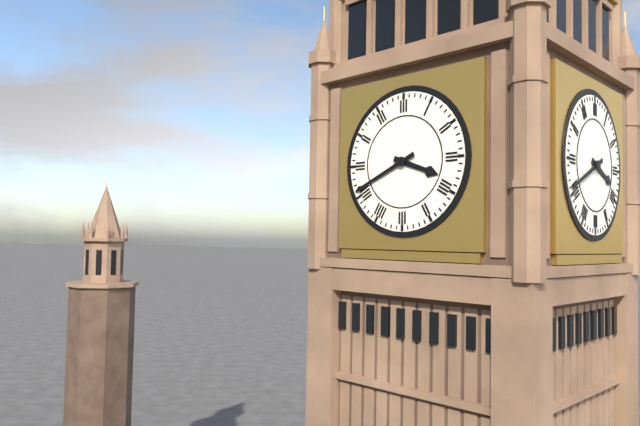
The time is 3h41
